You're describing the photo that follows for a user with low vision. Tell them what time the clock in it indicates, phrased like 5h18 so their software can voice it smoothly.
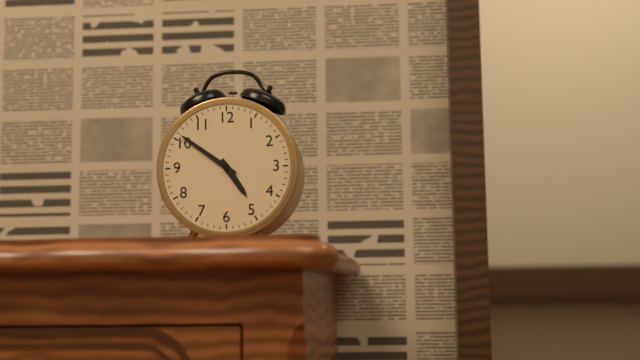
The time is 4h51
